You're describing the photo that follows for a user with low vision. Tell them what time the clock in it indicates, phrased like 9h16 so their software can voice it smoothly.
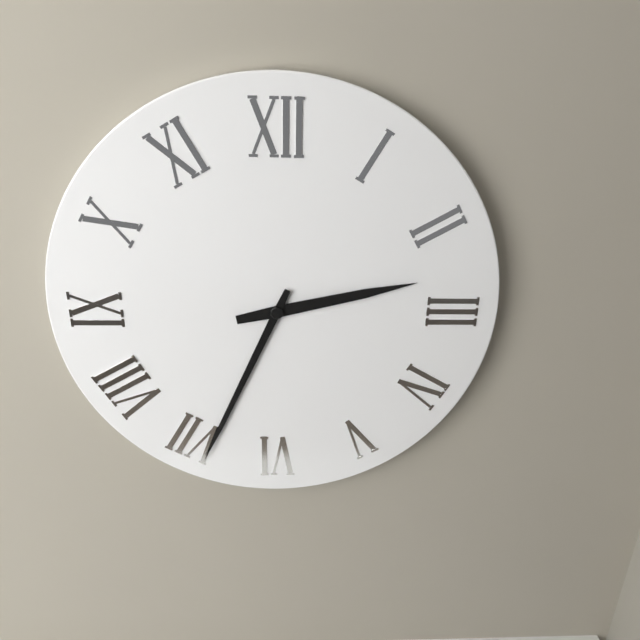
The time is 2h34
